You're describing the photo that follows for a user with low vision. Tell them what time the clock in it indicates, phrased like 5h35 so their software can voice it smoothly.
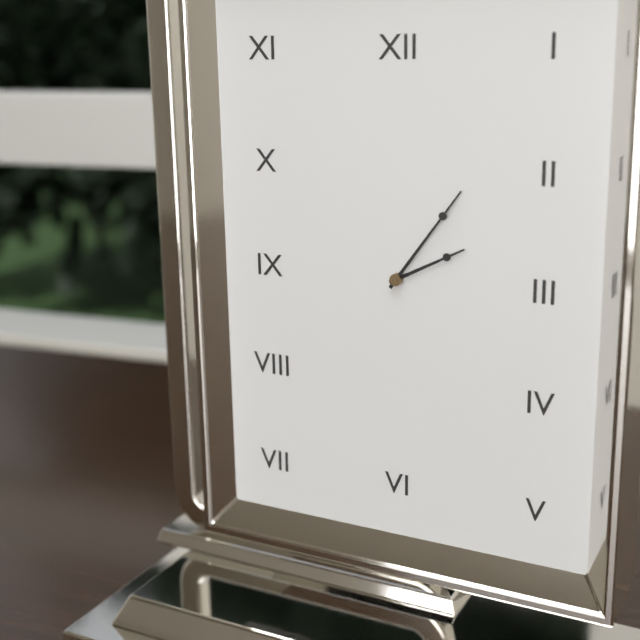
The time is 2h06
